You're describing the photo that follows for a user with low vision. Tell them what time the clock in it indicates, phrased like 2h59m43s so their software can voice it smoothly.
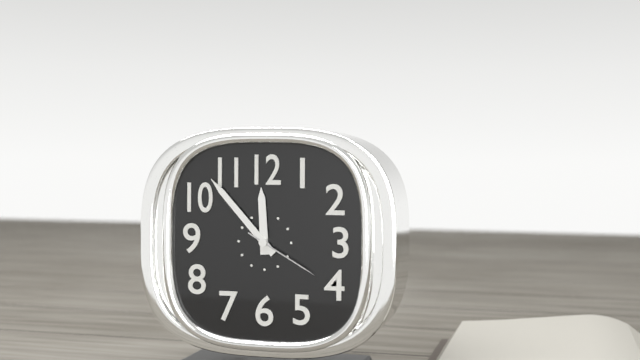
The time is 11h53m20s
